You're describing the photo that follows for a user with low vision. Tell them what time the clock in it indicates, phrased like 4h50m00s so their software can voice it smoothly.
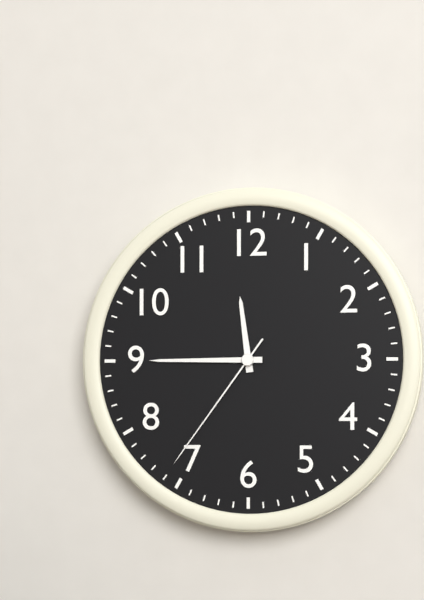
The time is 11h45m36s
